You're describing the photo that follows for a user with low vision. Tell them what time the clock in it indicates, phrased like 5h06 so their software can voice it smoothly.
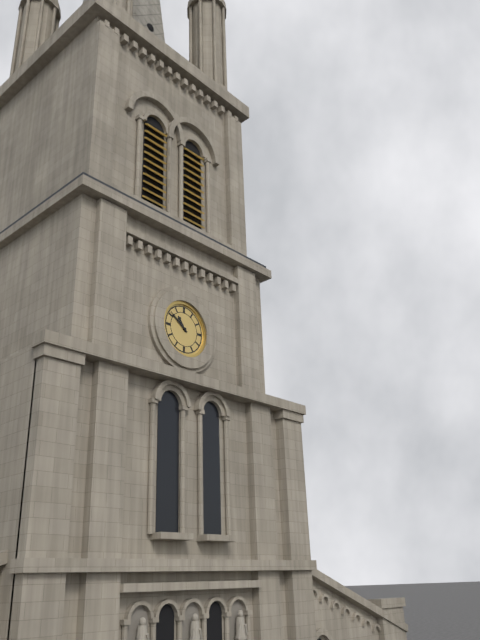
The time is 10h51
